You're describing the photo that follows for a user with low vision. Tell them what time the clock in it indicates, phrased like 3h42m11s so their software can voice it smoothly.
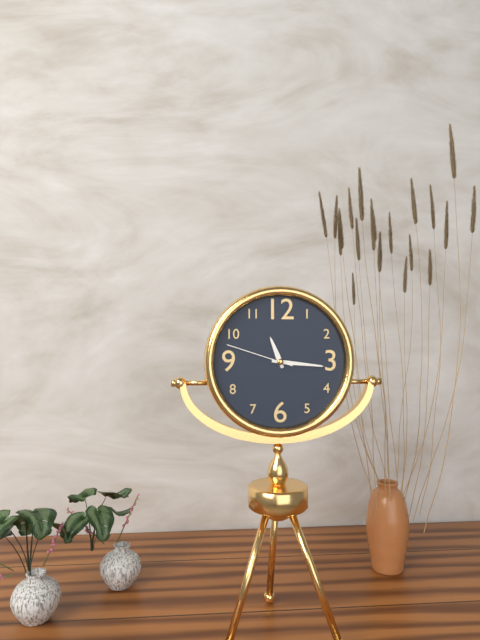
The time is 11h16m48s
